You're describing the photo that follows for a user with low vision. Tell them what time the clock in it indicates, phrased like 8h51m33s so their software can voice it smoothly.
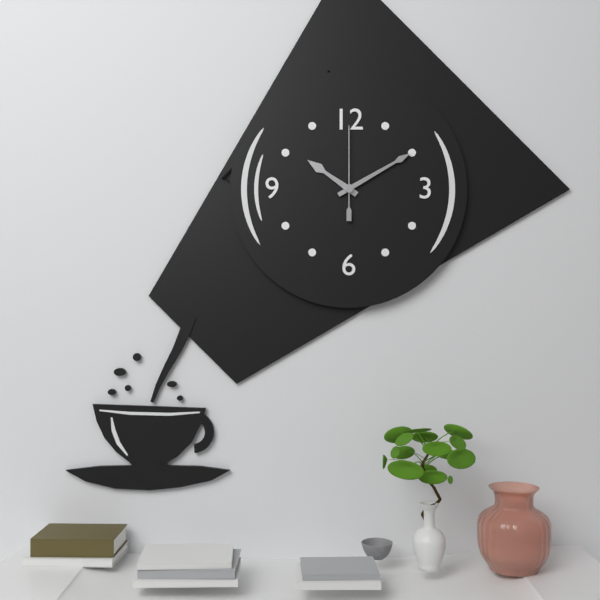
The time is 10h10m00s
